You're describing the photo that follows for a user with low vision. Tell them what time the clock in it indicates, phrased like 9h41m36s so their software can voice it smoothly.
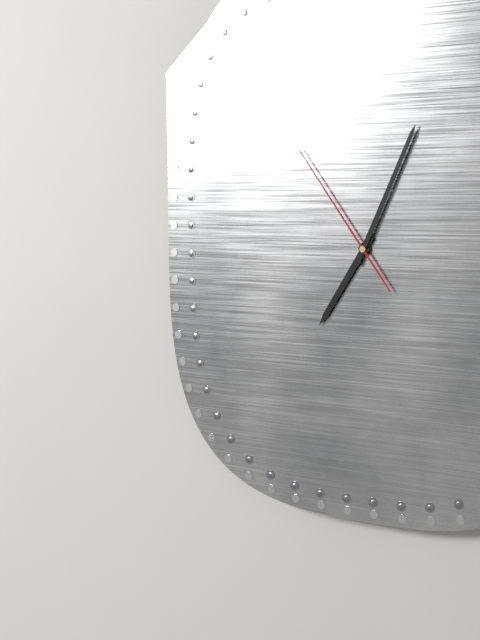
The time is 7h04m54s
